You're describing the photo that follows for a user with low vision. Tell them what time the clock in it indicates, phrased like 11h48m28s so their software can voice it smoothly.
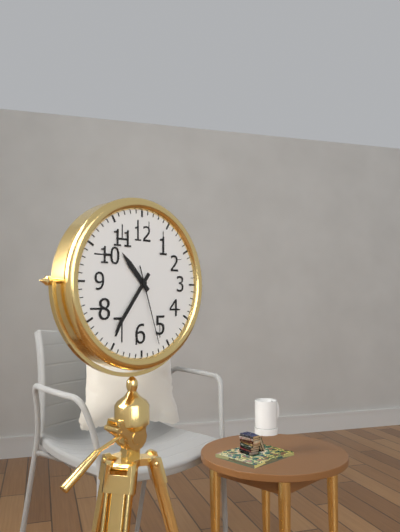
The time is 10h36m27s
